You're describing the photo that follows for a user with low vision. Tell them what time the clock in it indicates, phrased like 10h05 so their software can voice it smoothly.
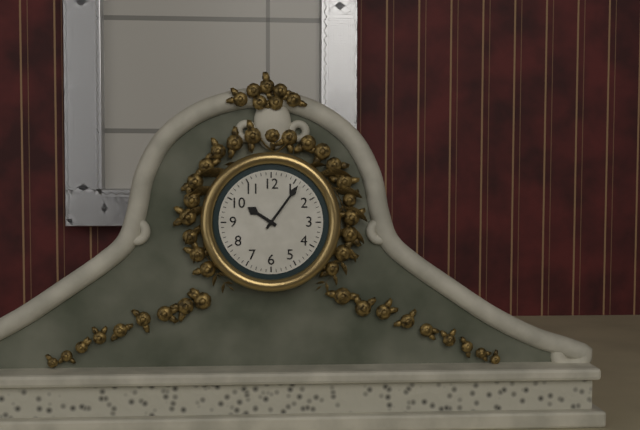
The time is 10h06
